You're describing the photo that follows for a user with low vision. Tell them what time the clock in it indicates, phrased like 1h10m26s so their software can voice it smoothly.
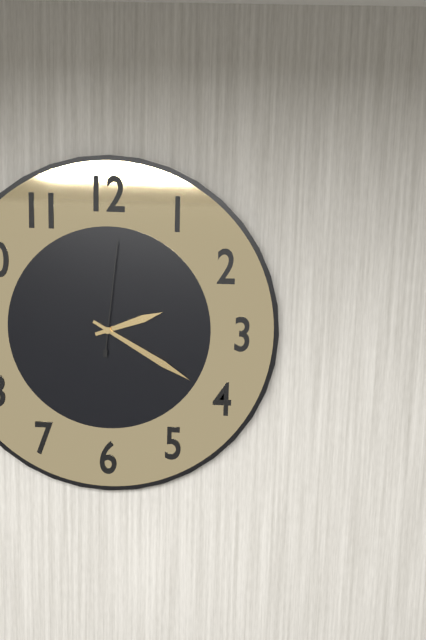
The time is 2h20m01s
